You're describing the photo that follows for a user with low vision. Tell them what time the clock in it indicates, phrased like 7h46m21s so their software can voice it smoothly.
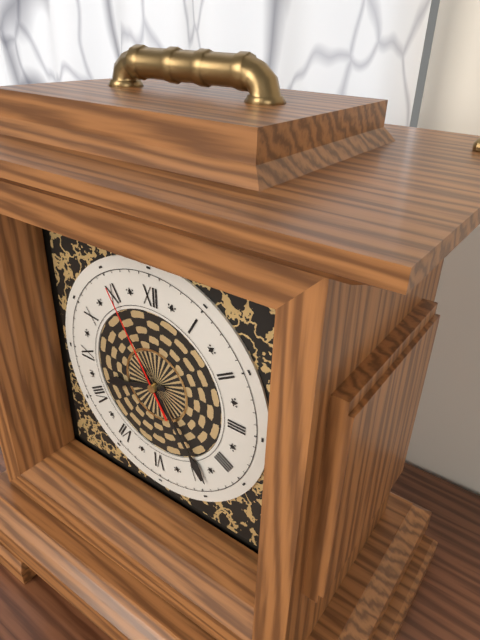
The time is 8h24m55s
